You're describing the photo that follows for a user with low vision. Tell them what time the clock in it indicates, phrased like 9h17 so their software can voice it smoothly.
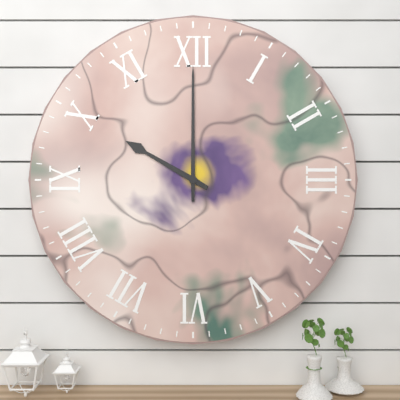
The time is 10h00
